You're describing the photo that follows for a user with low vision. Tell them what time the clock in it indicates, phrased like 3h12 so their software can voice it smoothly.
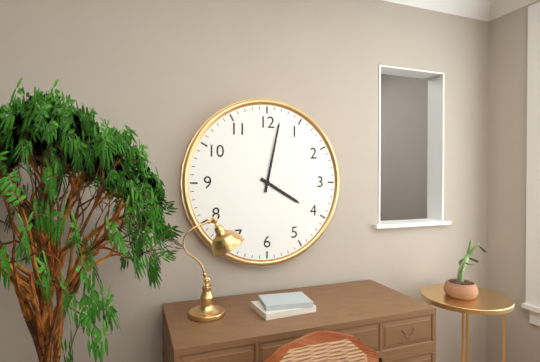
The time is 4h02
